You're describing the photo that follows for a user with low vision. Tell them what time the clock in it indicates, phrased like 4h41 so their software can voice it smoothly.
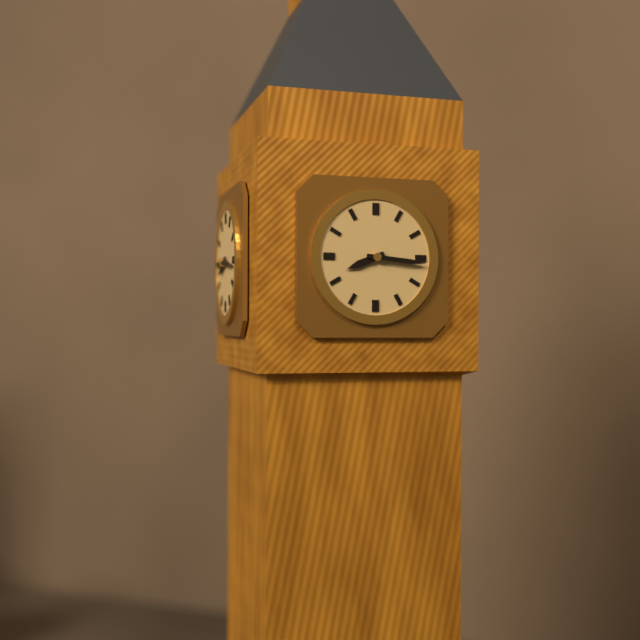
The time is 8h16
